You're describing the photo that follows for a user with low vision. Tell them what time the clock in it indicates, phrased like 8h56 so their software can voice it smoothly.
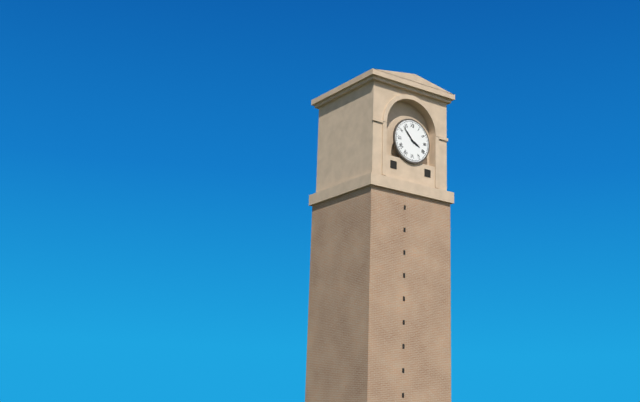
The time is 3h53
